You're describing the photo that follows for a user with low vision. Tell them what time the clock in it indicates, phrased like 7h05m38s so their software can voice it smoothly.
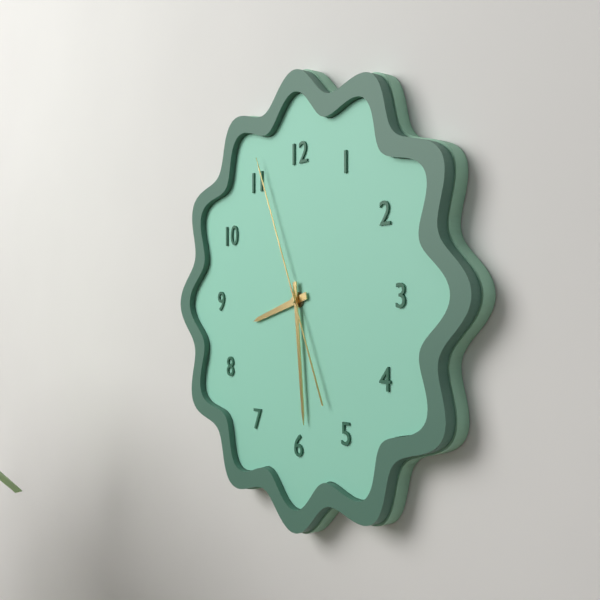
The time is 8h29m56s
